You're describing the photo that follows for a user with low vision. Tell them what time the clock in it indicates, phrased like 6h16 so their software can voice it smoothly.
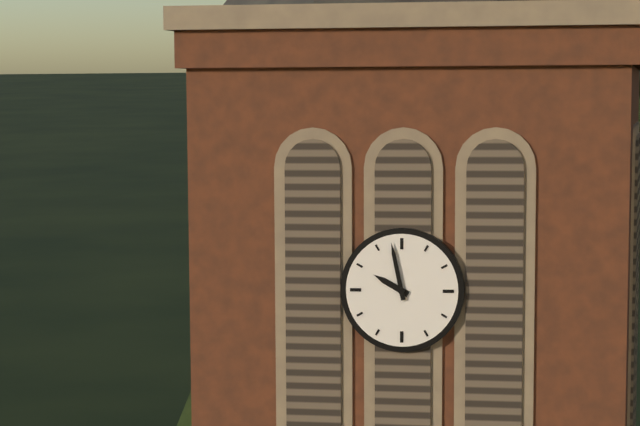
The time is 9h58
